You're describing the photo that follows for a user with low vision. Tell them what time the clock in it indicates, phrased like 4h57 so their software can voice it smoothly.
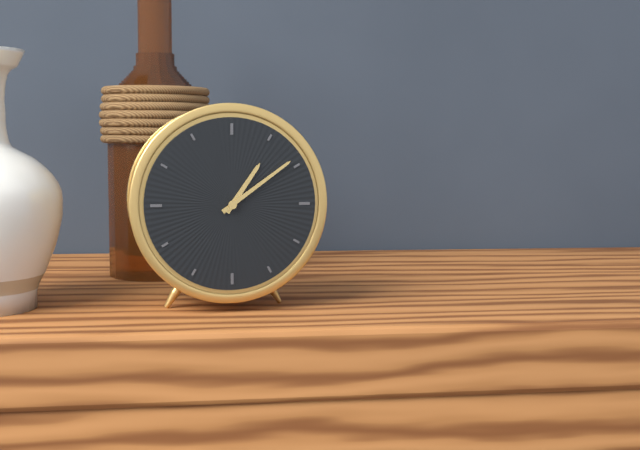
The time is 1h09
